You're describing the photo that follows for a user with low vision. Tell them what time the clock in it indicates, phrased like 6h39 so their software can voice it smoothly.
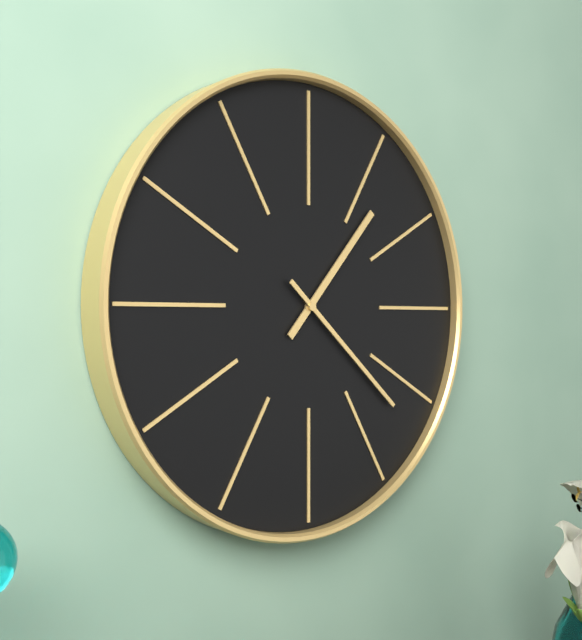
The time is 1h22
